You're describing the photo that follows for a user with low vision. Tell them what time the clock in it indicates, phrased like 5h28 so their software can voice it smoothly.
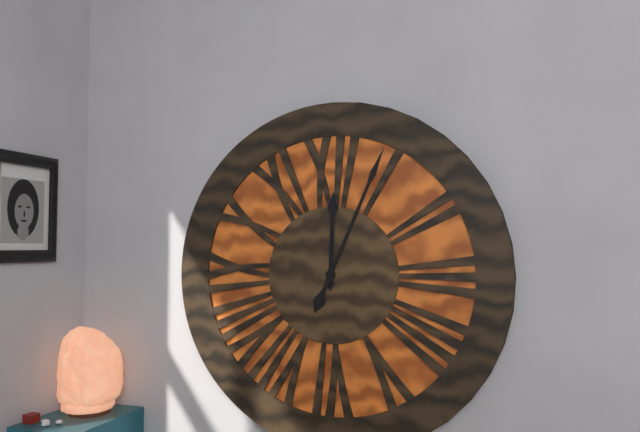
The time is 12h04
